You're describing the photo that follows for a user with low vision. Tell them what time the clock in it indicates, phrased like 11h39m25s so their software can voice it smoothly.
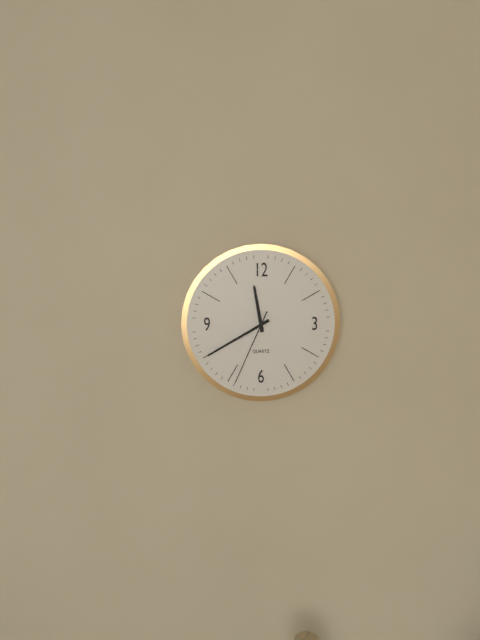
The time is 11h40m34s
